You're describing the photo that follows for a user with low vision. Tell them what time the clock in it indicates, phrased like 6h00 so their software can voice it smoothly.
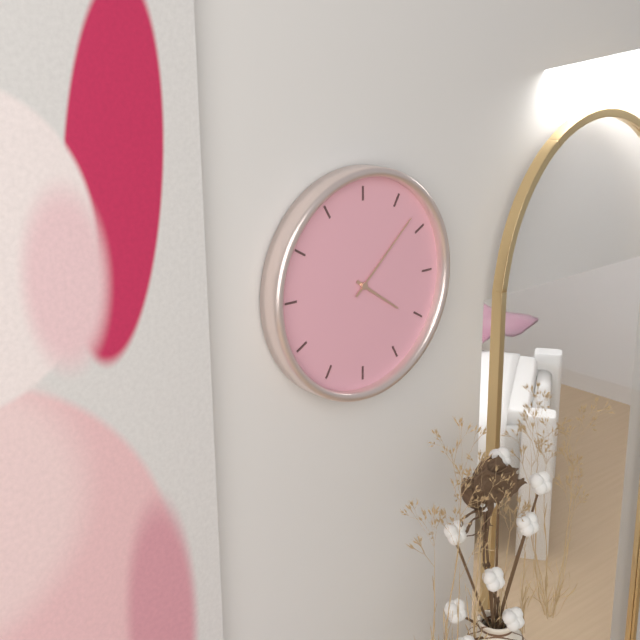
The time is 4h08
